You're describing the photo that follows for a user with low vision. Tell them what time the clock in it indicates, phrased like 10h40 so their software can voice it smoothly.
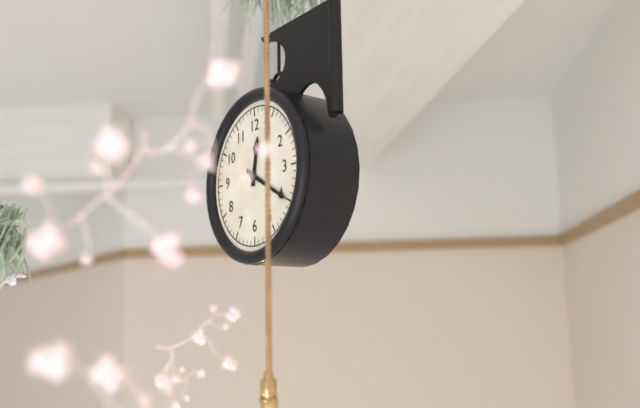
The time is 12h20
